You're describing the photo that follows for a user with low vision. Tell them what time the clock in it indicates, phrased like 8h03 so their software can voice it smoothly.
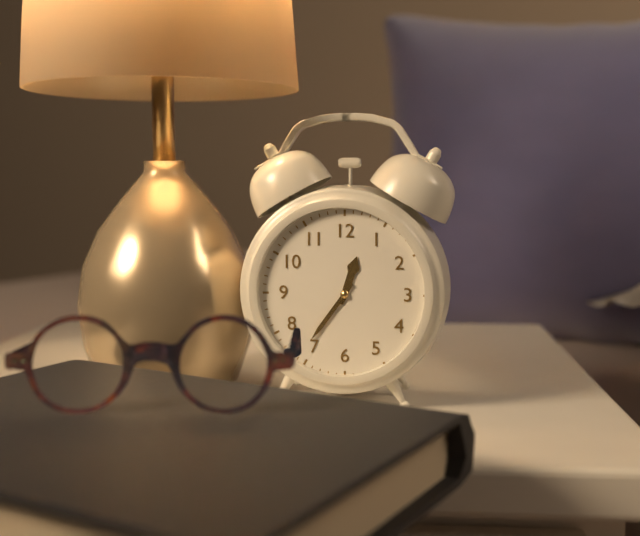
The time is 12h36
